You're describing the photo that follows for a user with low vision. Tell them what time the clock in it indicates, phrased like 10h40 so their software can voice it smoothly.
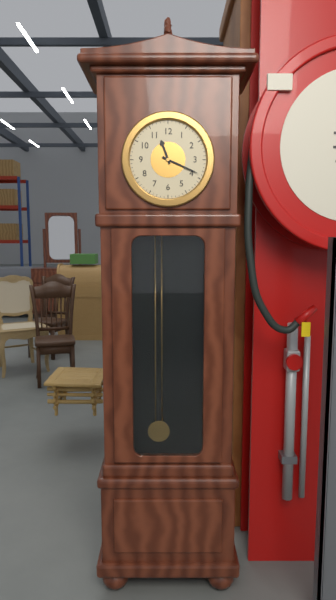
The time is 11h19
